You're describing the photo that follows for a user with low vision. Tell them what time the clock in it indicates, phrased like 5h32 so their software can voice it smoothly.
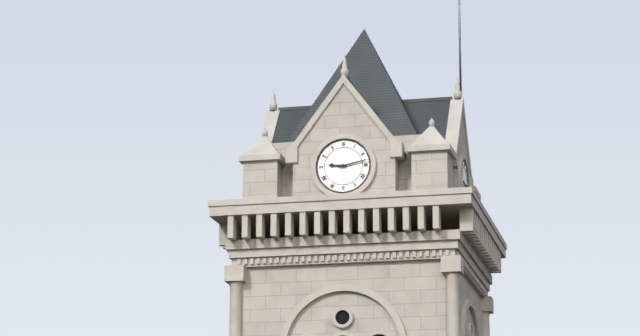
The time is 9h13
